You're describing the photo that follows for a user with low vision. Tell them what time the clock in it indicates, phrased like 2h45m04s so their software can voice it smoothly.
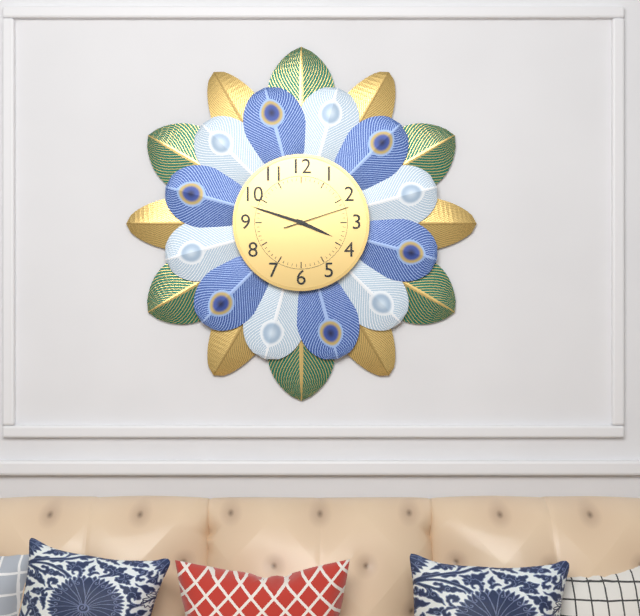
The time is 3h48m12s
